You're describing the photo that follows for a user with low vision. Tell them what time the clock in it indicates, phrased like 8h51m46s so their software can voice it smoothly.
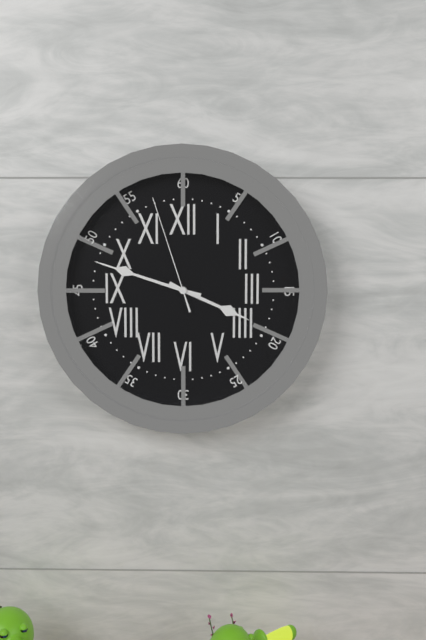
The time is 3h48m57s
